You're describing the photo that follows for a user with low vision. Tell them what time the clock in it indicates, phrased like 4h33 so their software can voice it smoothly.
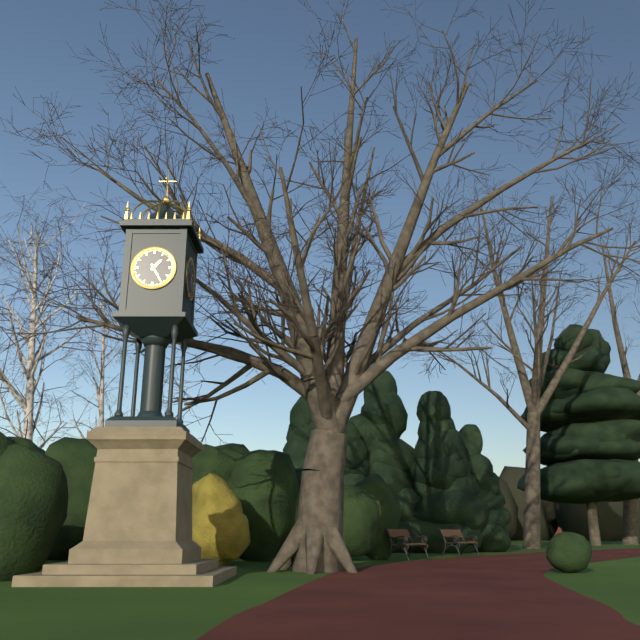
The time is 1h25
